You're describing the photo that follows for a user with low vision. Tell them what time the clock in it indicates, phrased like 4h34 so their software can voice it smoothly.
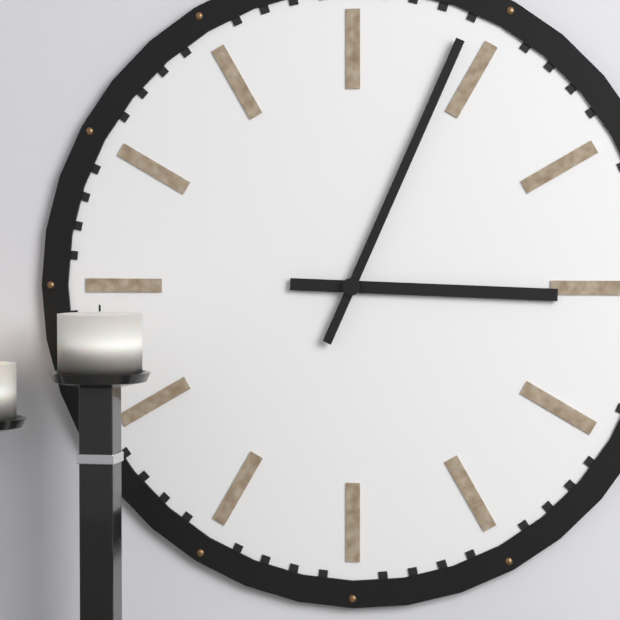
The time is 3h04
